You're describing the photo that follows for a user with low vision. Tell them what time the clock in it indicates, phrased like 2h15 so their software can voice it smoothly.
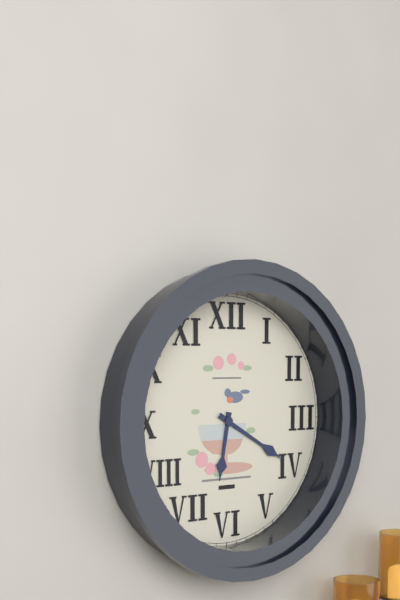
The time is 6h20
